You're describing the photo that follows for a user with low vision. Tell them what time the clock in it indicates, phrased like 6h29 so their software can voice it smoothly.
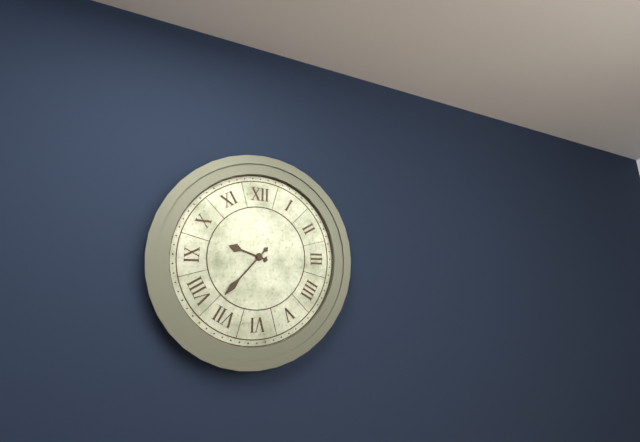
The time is 9h37
